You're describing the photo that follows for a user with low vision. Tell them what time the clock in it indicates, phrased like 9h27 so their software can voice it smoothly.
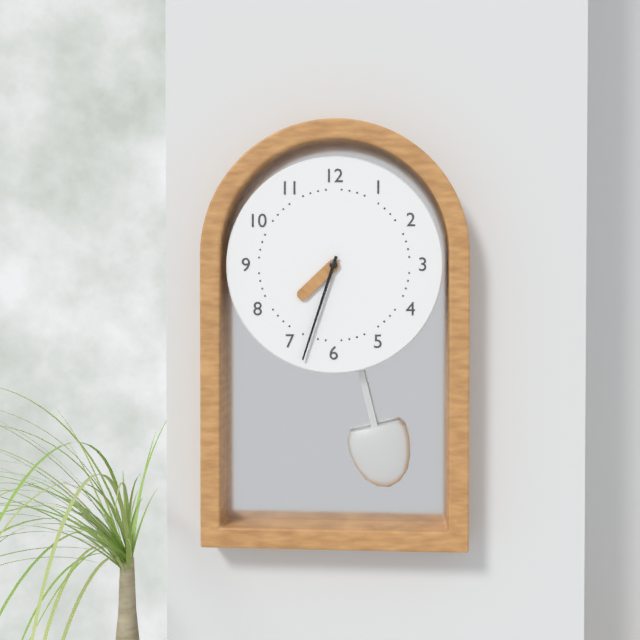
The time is 7h33
